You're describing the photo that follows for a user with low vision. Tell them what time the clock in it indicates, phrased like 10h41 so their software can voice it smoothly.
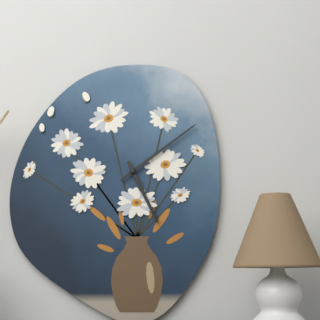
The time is 5h09
